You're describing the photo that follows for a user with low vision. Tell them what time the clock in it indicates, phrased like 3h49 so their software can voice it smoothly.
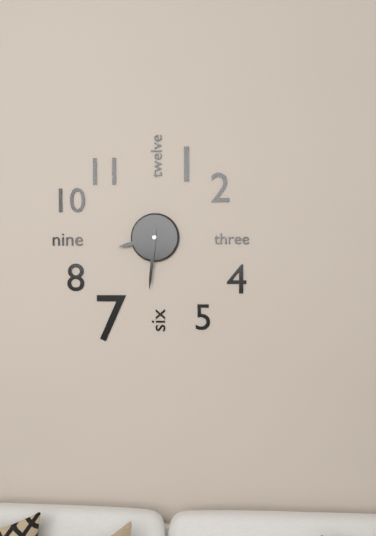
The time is 8h31
